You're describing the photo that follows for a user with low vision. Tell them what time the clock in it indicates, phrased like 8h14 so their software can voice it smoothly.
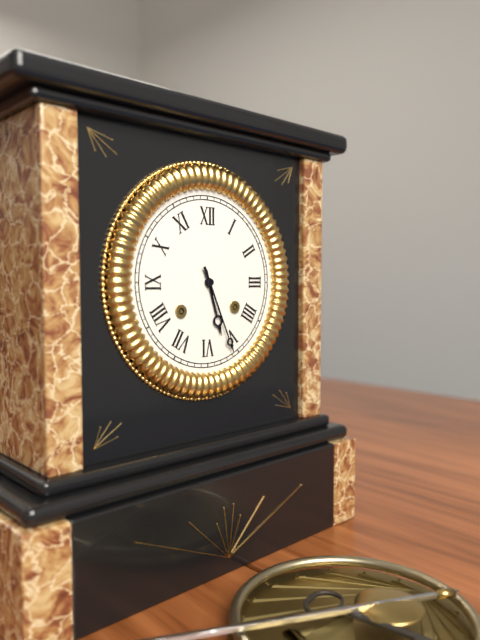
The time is 5h26
